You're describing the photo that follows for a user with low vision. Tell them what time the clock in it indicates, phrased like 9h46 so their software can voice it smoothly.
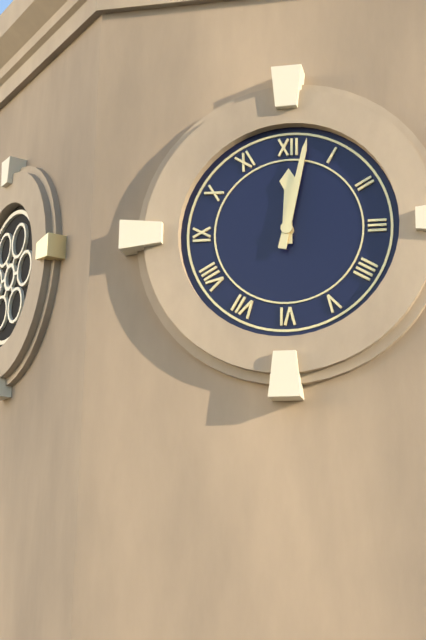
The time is 12h02
